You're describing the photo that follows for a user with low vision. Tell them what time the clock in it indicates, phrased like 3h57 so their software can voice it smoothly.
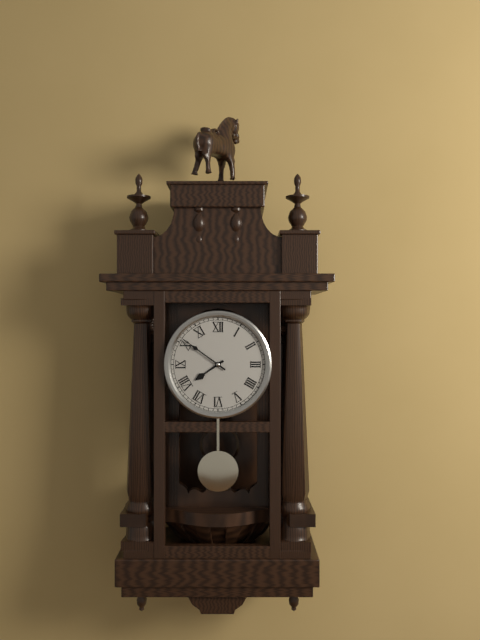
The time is 7h51
